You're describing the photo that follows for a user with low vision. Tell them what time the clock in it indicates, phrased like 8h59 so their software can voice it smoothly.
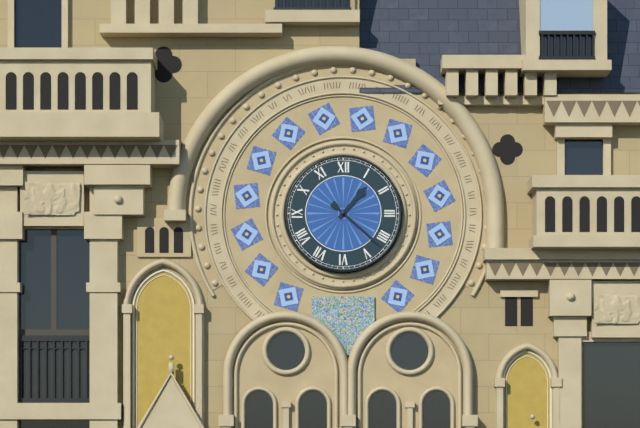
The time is 1h22
